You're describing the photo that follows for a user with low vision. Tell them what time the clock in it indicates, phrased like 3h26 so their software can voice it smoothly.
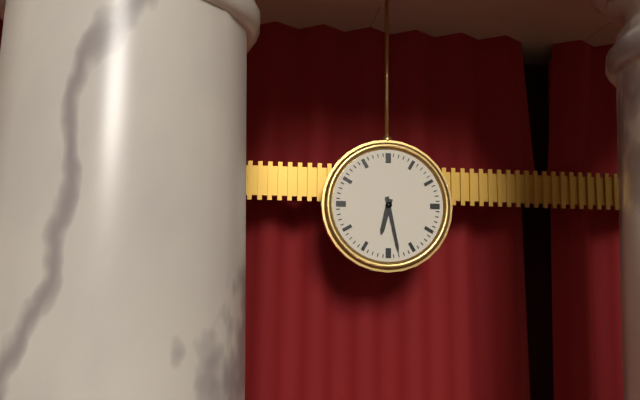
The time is 6h28
